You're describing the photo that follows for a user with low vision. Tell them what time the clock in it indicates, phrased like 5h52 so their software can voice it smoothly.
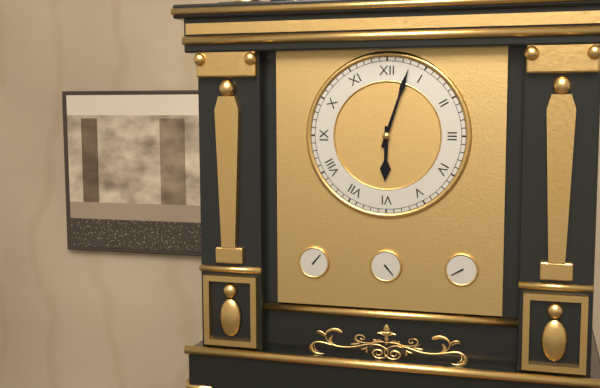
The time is 6h03
